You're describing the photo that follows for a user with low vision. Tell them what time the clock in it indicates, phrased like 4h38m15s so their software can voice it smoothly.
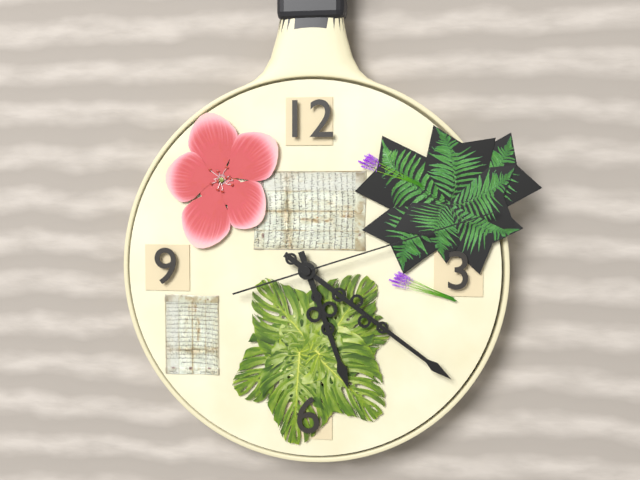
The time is 5h21m12s
